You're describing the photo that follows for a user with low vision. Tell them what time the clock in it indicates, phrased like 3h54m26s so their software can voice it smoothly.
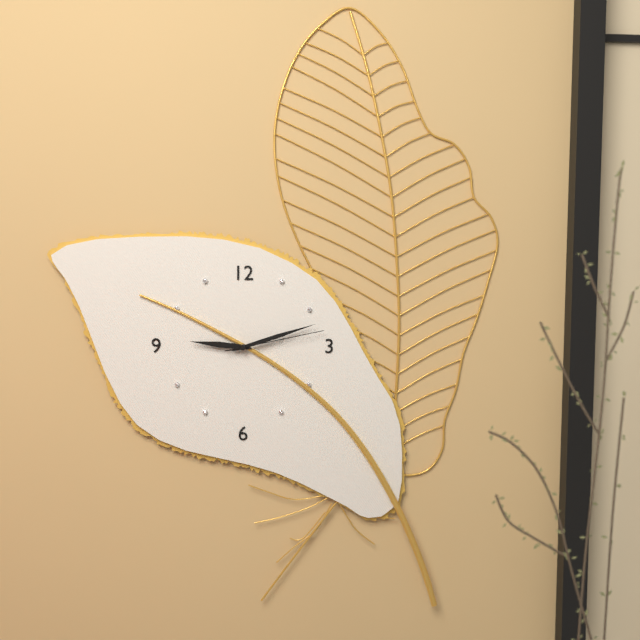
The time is 9h12m13s
